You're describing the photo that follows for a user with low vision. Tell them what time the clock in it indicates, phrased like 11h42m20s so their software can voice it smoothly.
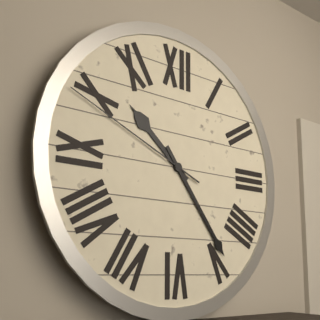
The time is 10h24m49s
